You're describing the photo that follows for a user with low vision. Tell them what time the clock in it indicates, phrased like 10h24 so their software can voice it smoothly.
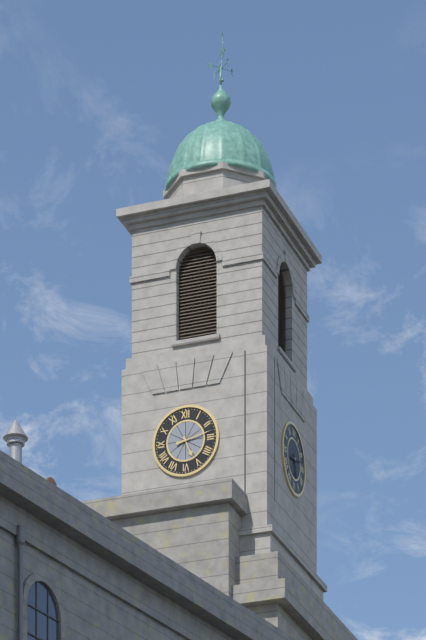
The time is 5h13
